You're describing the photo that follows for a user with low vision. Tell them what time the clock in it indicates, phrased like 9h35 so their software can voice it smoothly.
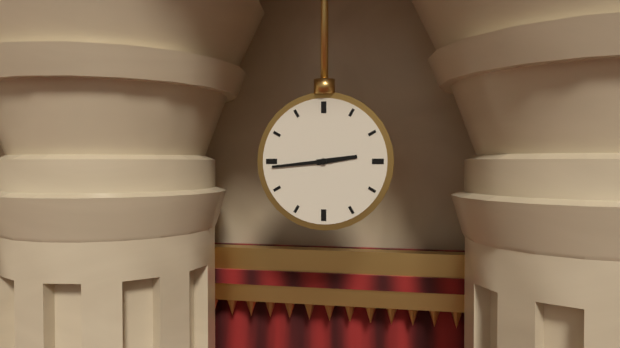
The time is 2h44
